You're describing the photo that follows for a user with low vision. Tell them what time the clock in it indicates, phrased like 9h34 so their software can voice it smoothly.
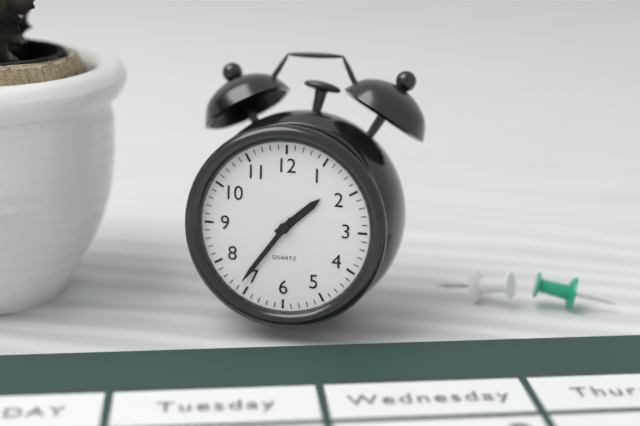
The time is 1h36
